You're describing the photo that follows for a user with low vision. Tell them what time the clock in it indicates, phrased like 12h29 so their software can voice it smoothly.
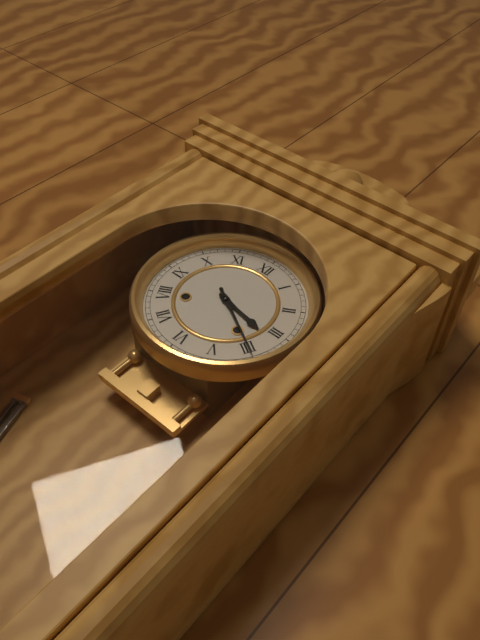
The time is 3h20
